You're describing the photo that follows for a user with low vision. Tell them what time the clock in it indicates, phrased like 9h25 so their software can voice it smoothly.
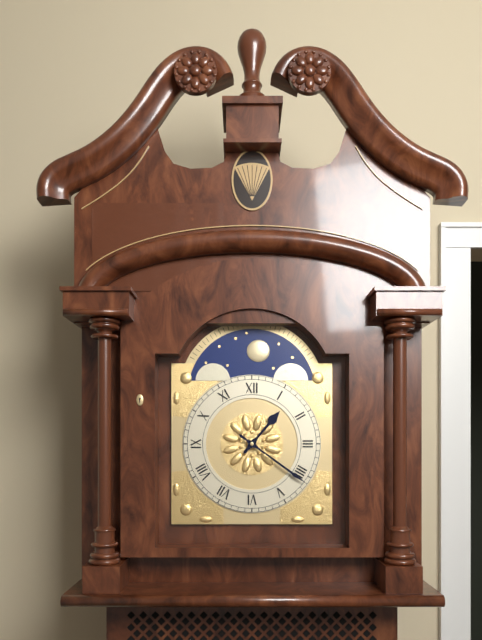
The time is 1h21
